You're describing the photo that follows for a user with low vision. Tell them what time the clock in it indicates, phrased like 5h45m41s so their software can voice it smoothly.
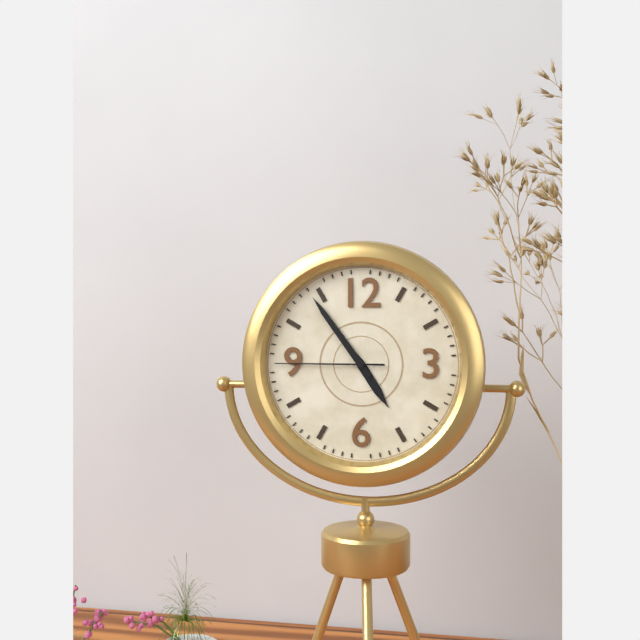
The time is 4h54m45s
